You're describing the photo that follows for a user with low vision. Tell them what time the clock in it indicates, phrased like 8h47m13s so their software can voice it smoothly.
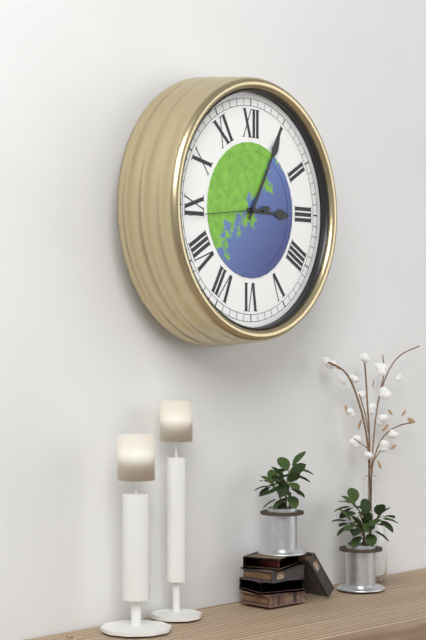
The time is 3h05m44s
